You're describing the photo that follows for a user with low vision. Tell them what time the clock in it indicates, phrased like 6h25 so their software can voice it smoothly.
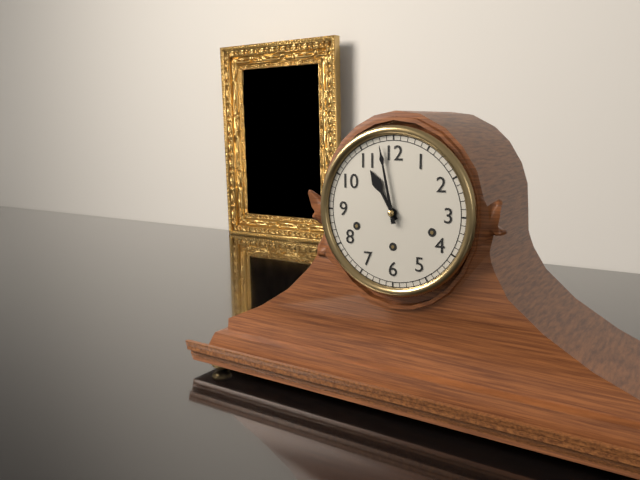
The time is 10h58
